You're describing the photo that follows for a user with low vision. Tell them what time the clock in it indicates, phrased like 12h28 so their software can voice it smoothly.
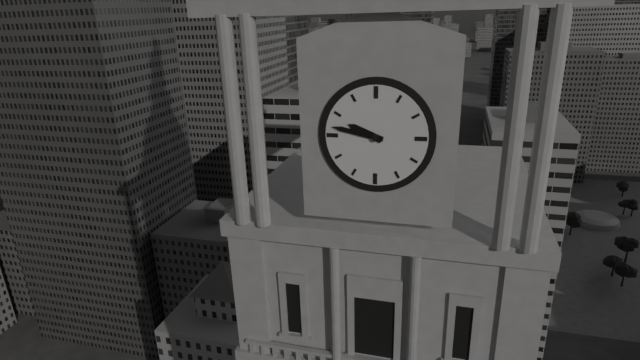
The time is 9h47
